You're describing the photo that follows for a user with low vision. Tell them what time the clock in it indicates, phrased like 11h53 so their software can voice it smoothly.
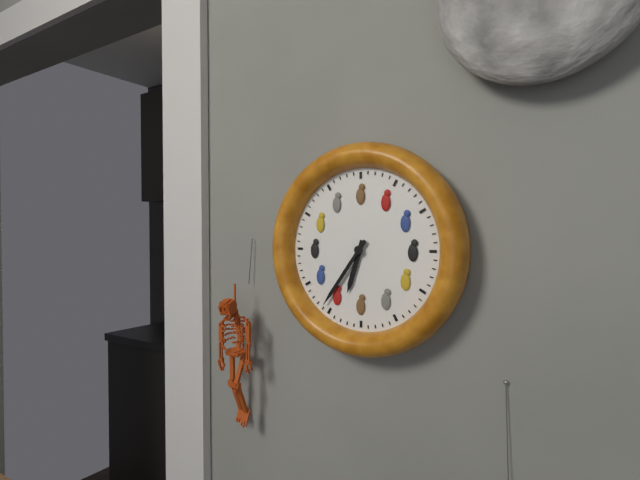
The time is 6h36
